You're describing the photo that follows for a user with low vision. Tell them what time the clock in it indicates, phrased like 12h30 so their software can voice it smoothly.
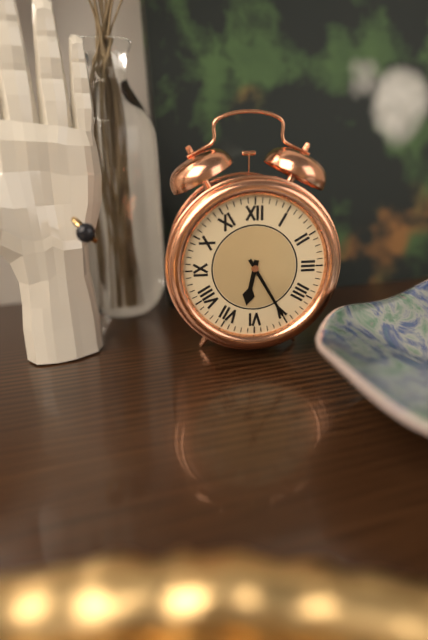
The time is 6h25
